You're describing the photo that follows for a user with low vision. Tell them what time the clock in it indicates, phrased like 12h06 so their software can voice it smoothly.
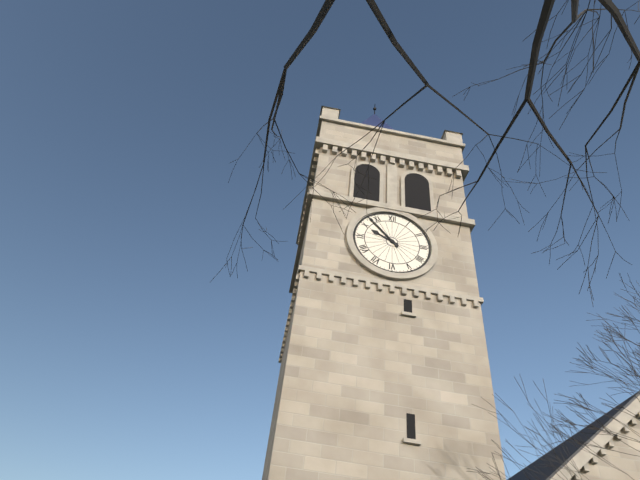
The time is 9h53
